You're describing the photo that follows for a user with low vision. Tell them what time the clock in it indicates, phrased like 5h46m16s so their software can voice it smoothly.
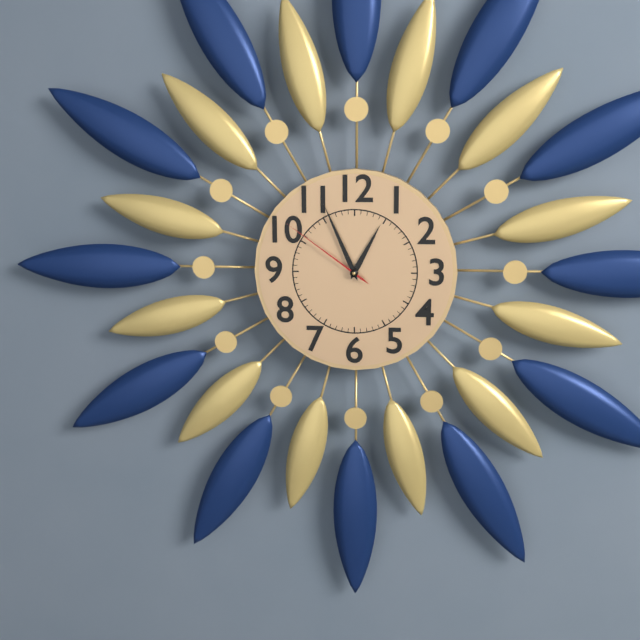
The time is 12h56m51s
